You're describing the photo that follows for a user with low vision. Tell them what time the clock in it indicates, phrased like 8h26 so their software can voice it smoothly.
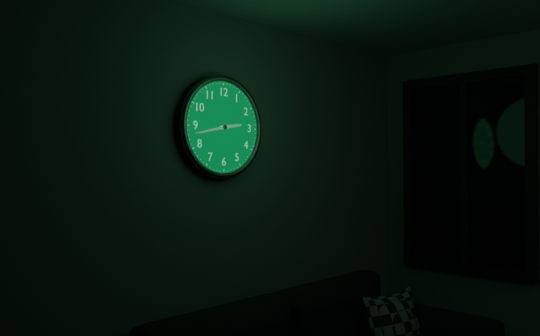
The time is 2h43
